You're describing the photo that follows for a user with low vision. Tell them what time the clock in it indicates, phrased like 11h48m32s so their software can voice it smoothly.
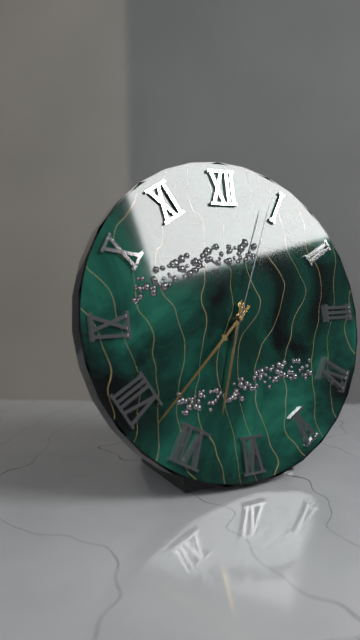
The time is 6h38m04s
